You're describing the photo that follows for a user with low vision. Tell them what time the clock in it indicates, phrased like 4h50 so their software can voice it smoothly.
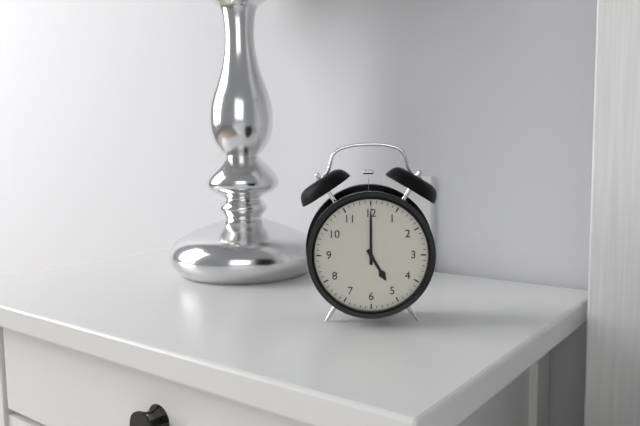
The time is 5h00
